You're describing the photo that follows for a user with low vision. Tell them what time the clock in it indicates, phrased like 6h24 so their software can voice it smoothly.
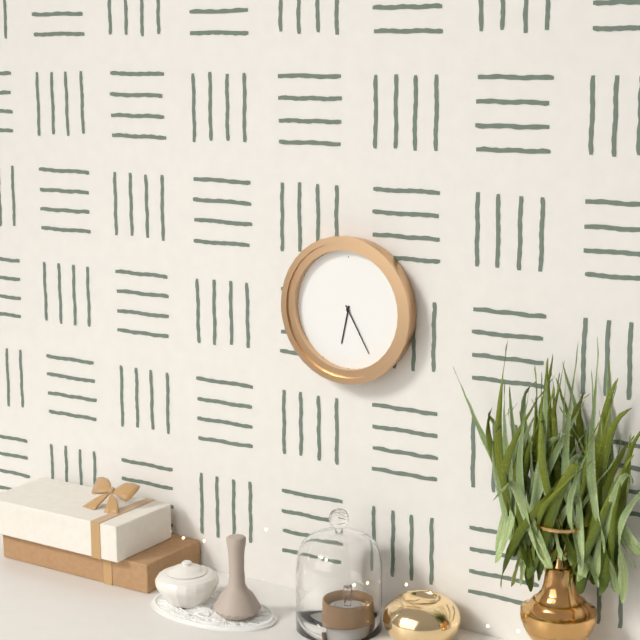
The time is 6h25
